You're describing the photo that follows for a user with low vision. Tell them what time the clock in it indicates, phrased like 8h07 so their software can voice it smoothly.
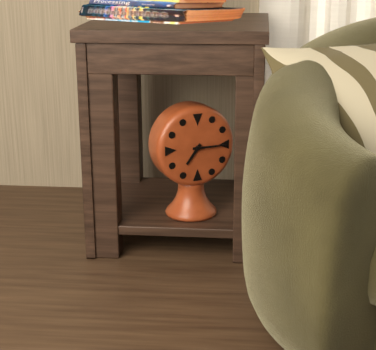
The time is 7h15
